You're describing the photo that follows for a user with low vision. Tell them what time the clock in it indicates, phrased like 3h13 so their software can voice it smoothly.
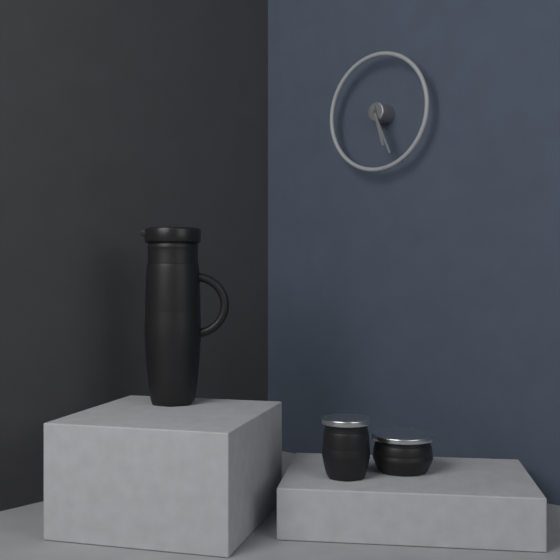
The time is 5h26
